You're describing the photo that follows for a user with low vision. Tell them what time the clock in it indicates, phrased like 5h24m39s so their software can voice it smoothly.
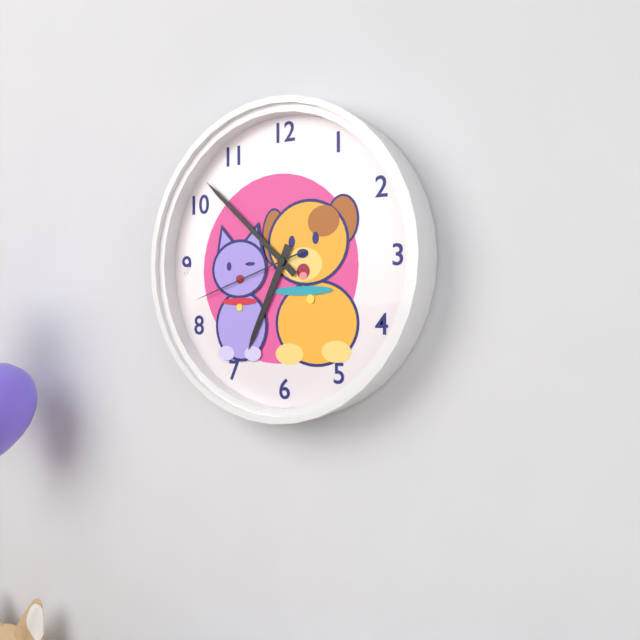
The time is 6h52m42s
